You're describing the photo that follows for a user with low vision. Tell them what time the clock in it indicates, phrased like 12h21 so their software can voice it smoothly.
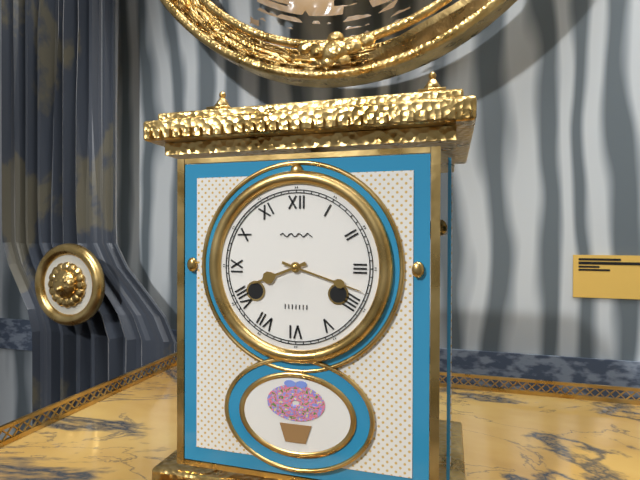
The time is 8h18
